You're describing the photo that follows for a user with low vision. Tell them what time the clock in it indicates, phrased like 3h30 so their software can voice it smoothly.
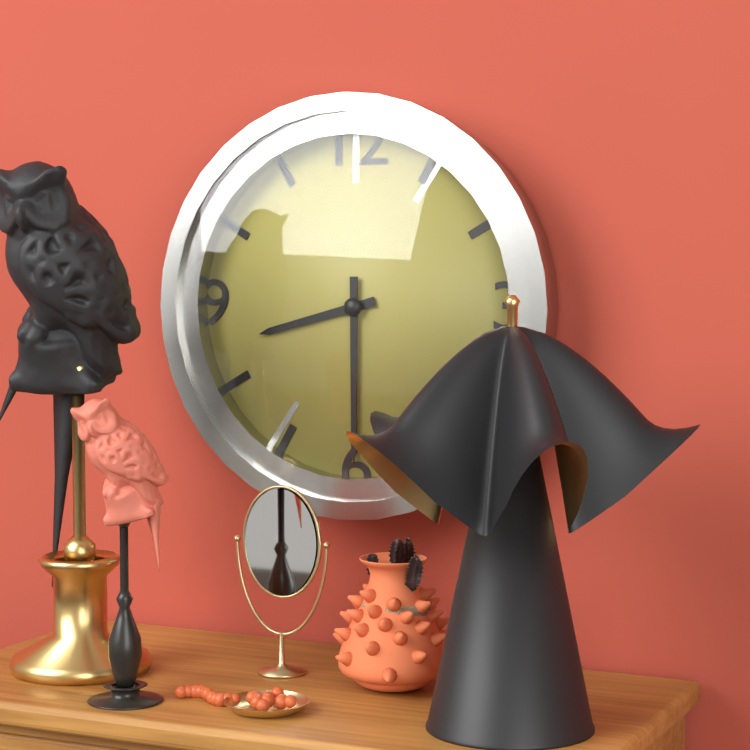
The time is 8h30
